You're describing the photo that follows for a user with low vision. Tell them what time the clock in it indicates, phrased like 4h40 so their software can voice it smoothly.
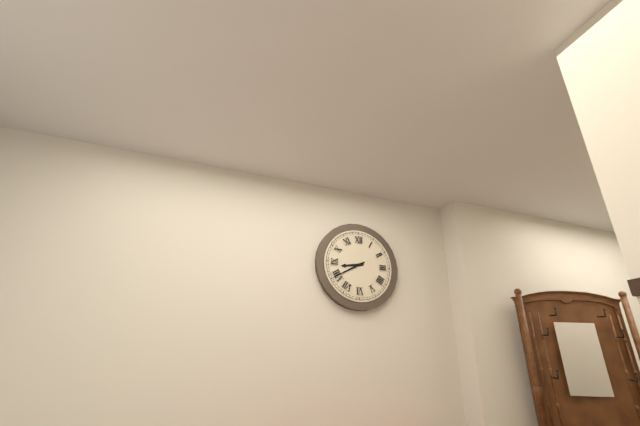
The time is 8h40
